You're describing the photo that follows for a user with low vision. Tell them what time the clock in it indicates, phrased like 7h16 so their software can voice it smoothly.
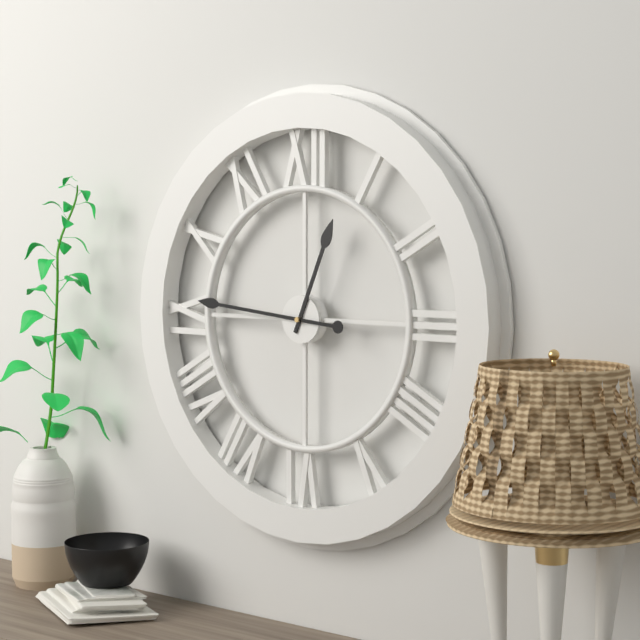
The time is 12h46
